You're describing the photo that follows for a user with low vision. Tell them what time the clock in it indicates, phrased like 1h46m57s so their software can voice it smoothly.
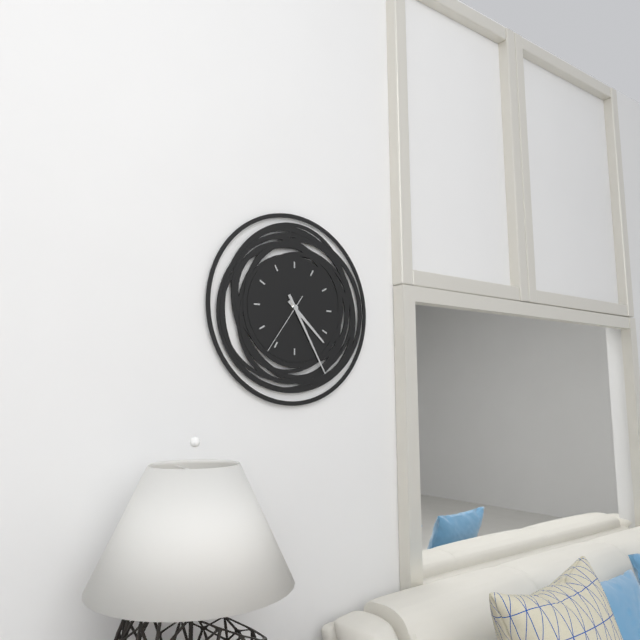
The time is 4h25m36s
